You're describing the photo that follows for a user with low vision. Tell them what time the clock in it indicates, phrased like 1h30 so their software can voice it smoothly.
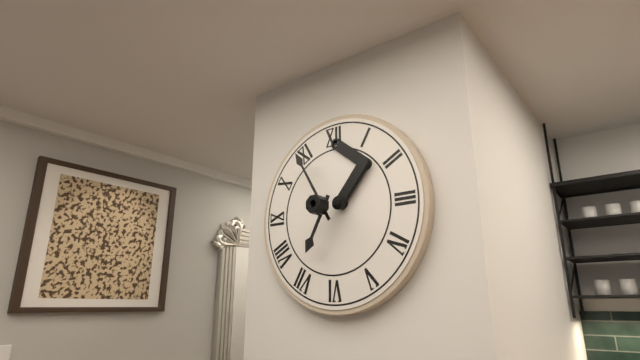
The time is 6h55
